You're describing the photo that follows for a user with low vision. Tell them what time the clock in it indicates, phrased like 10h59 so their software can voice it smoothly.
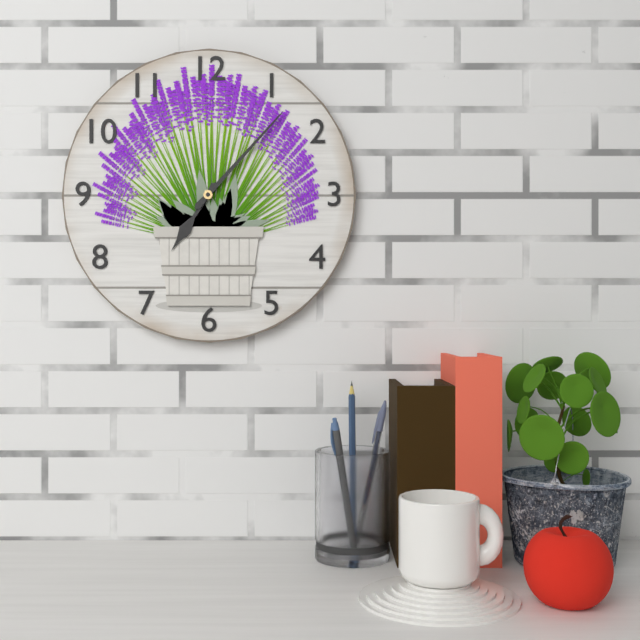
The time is 7h07
